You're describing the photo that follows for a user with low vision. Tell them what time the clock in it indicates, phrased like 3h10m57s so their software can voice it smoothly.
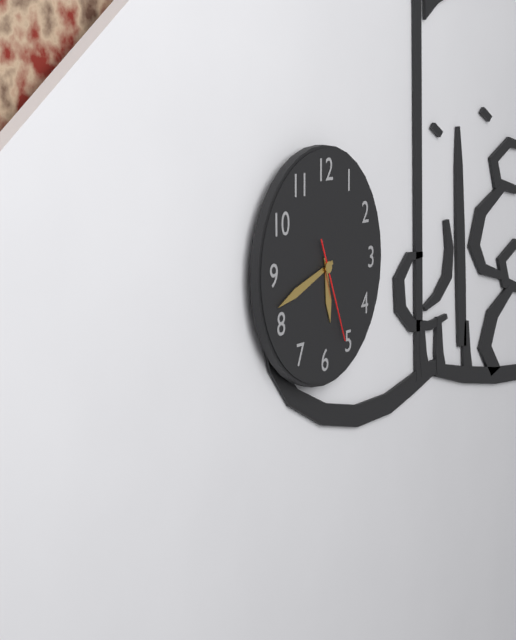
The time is 5h42m26s
